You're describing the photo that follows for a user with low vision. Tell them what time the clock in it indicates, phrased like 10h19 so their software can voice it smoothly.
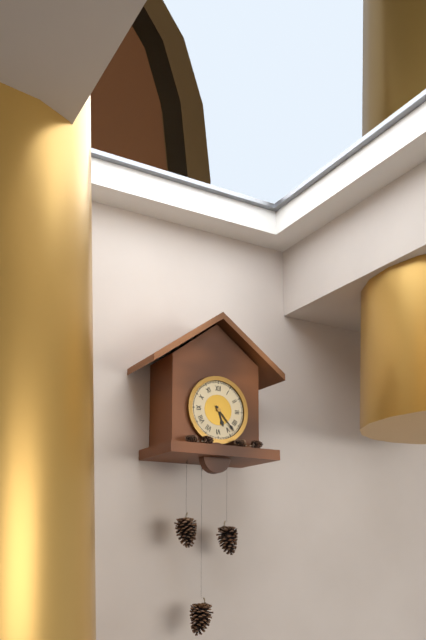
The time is 5h23
